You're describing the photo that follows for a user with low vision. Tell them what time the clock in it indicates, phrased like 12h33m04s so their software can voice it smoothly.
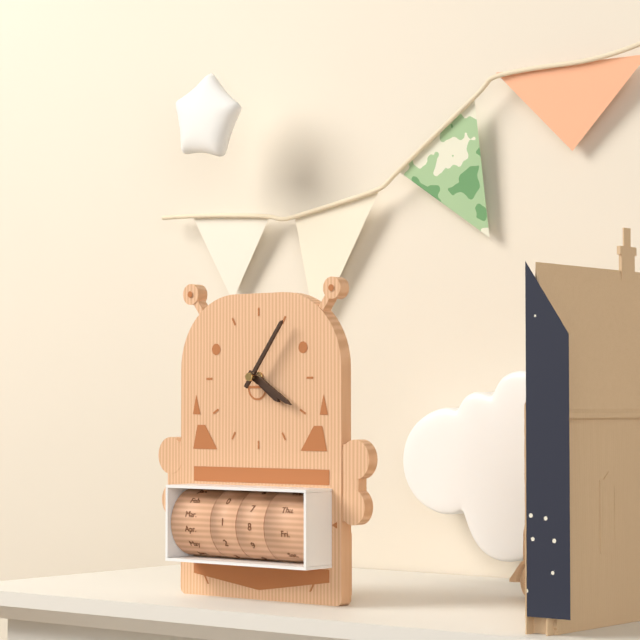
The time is 4h20m06s
